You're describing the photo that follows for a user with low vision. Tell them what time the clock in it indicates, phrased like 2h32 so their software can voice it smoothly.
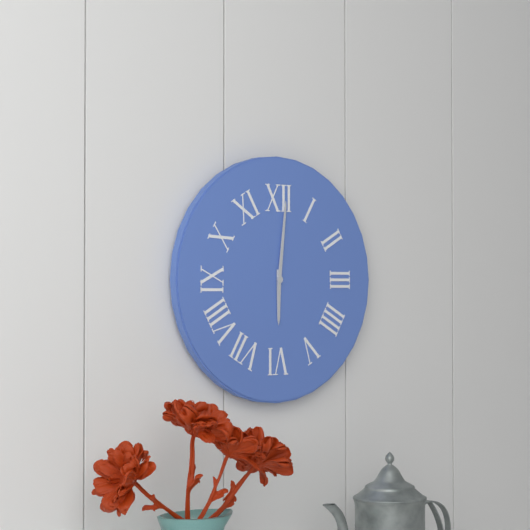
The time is 6h01
